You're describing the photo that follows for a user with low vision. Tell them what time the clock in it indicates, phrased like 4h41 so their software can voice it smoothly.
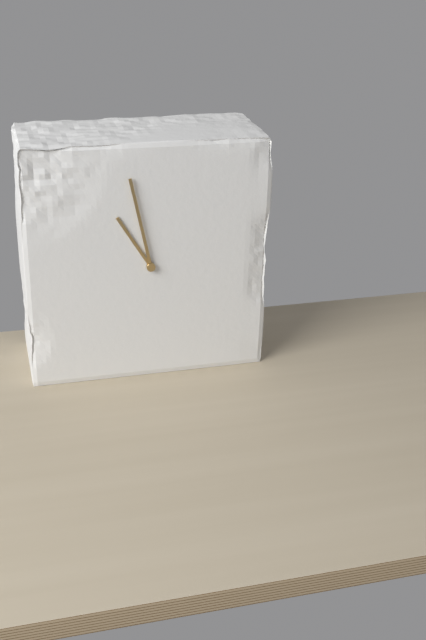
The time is 10h58
